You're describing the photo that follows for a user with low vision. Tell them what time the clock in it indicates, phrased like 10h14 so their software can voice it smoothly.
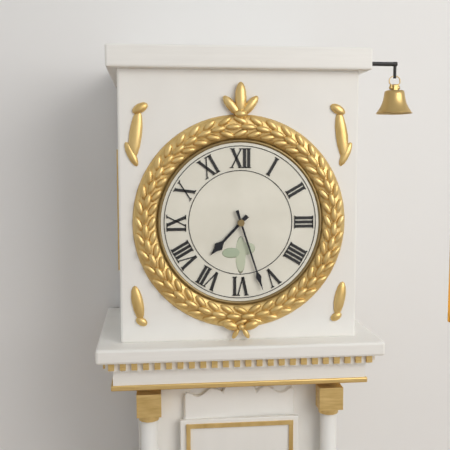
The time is 7h27
